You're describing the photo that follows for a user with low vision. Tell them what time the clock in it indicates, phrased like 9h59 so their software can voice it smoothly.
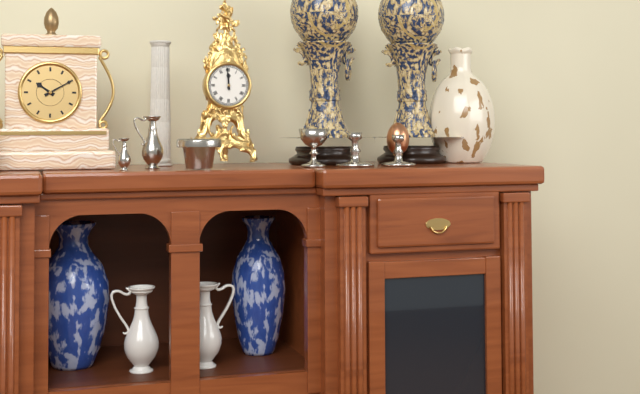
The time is 11h59
